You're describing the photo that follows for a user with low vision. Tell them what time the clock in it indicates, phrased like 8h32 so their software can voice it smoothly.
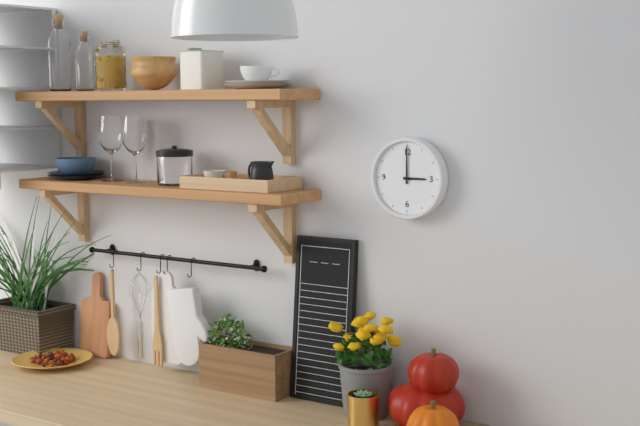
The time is 3h00
